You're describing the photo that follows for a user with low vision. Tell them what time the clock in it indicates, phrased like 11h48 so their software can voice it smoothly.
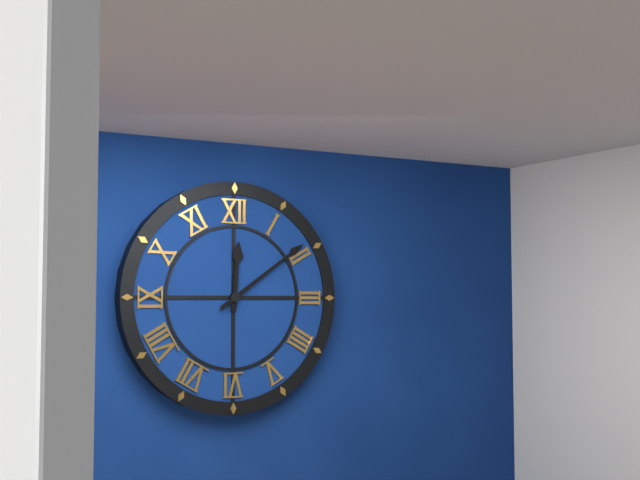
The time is 12h09
